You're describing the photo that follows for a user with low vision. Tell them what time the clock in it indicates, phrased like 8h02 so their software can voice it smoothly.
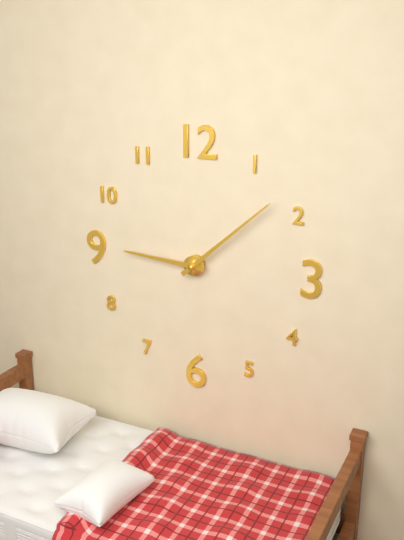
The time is 9h08
